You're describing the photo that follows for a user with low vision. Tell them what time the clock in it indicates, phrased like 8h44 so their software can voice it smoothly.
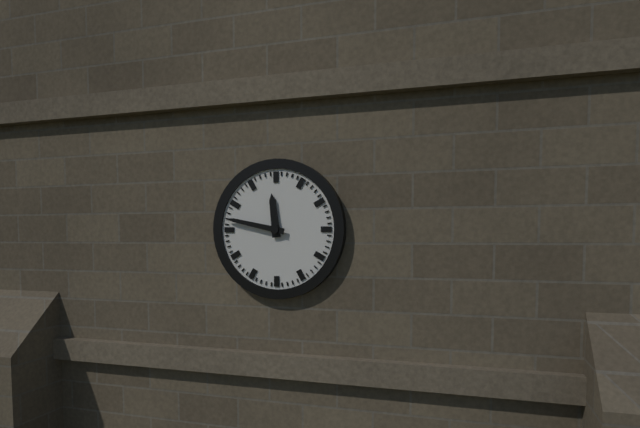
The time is 11h47
